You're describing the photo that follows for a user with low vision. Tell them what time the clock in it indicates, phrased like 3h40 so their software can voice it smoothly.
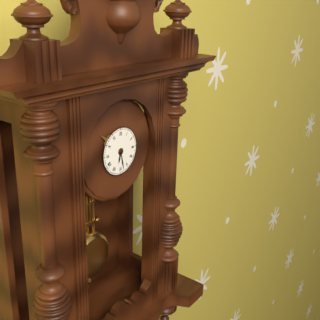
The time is 6h28
